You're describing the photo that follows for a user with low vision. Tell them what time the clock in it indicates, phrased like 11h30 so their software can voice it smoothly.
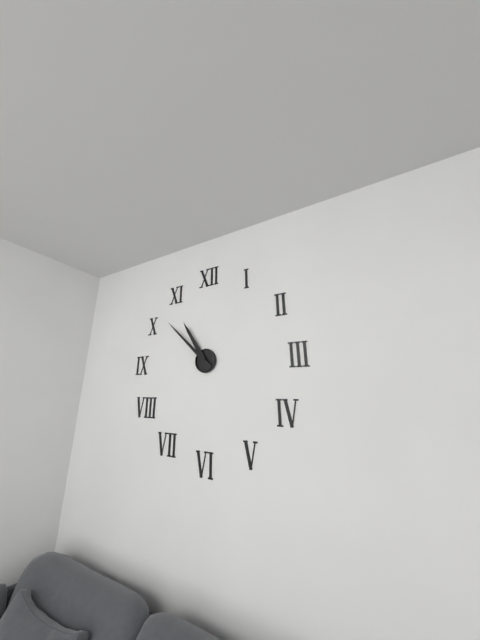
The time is 10h52
